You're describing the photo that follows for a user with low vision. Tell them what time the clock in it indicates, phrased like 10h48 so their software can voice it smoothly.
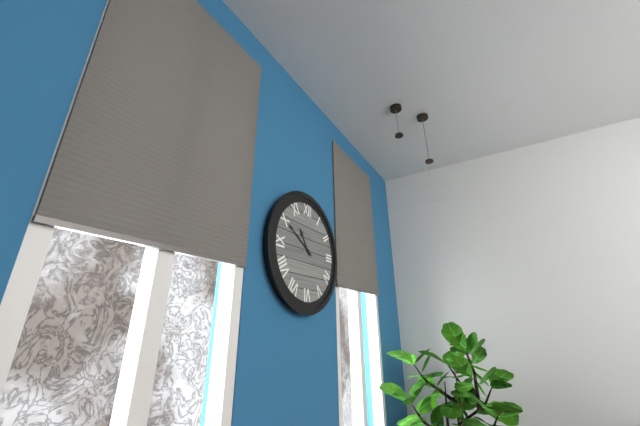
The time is 10h50
